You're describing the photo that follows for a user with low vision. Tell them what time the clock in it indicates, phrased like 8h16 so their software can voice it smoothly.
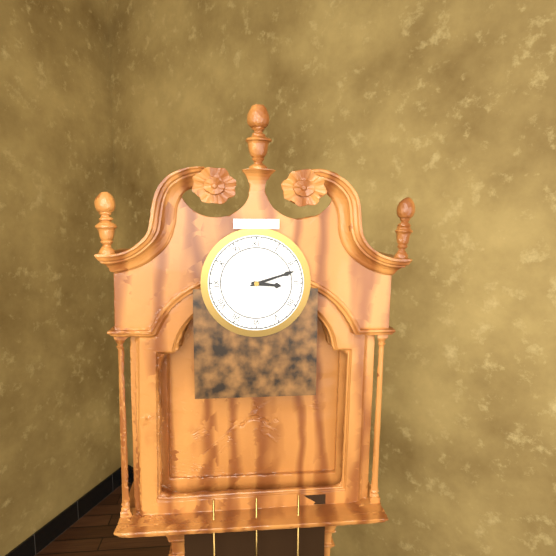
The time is 3h12
